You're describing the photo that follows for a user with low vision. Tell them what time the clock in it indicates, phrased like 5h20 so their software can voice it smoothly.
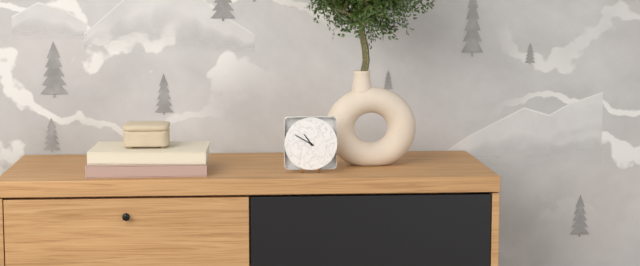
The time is 10h50
